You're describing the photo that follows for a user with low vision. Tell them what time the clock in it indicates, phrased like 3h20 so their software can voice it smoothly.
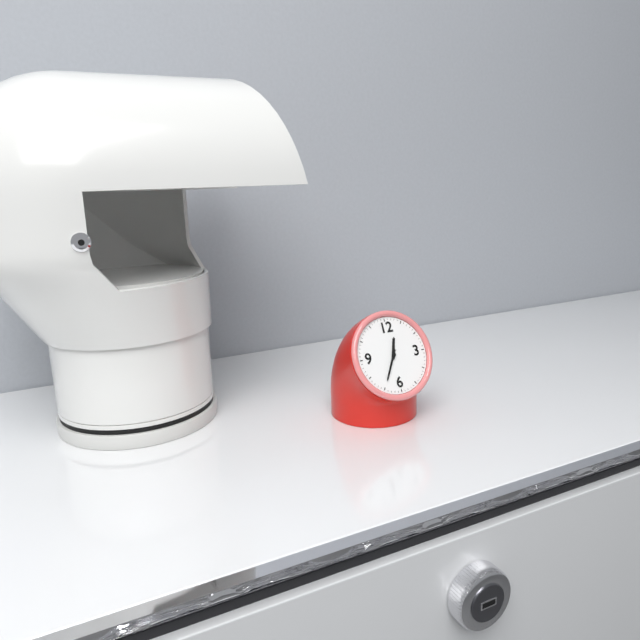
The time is 12h35
